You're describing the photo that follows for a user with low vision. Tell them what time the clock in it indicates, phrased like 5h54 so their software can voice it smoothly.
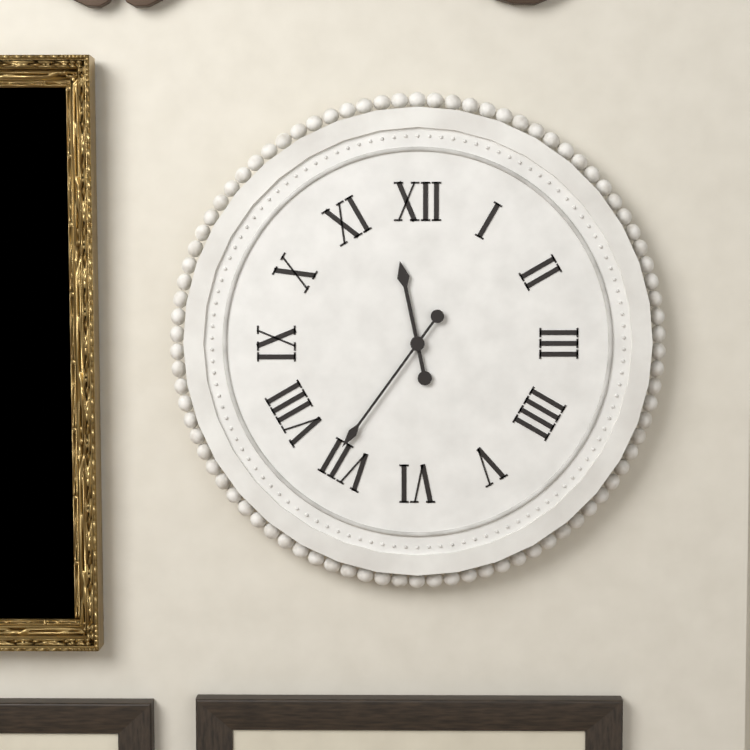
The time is 11h36
